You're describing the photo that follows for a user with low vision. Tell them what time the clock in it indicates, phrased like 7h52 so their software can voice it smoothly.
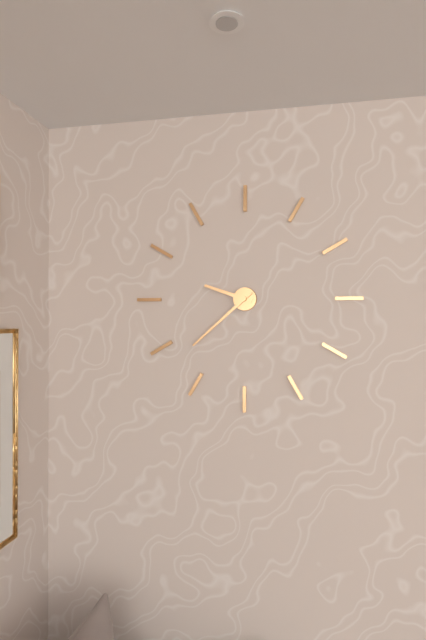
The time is 9h38
